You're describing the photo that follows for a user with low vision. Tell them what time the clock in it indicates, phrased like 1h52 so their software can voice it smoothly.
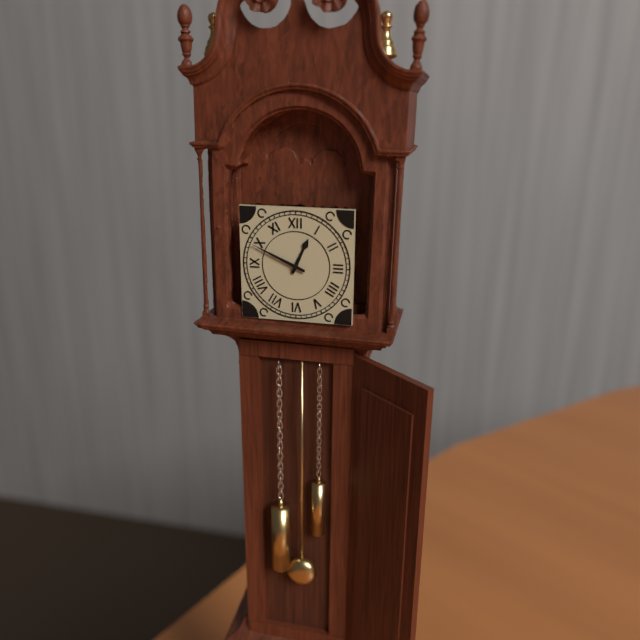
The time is 12h49
